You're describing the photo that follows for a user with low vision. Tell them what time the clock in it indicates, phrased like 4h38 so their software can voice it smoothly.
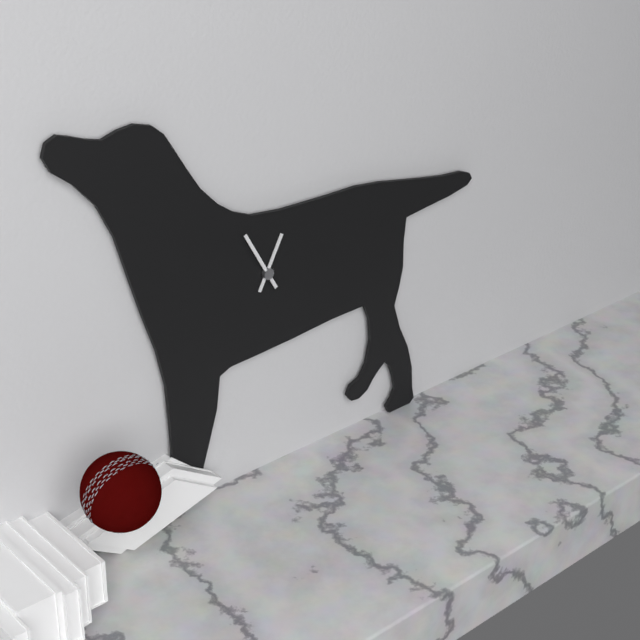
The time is 12h55
